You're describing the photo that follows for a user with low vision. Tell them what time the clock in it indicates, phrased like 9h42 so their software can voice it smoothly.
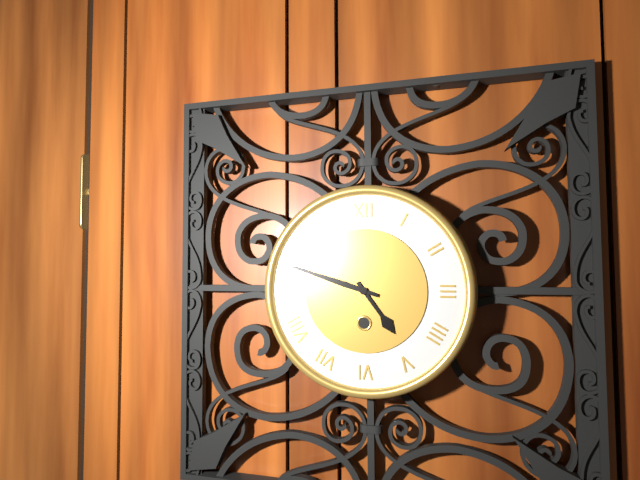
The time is 4h48
